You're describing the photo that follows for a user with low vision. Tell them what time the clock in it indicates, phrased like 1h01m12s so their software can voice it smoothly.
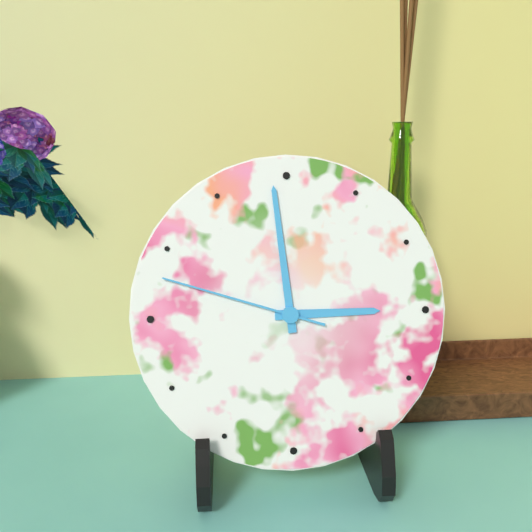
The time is 2h59m48s
